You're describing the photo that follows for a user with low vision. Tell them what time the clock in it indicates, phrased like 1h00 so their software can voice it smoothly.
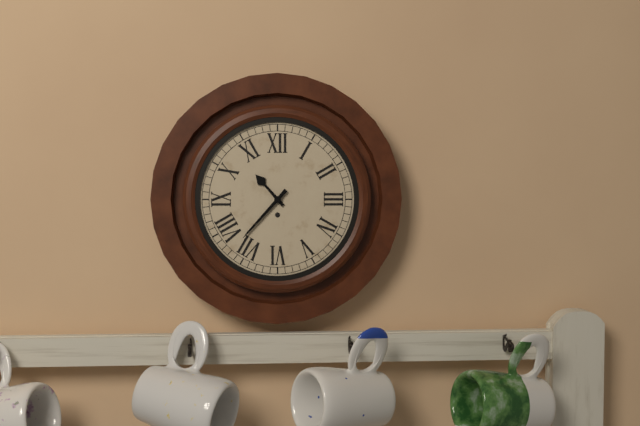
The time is 10h37
